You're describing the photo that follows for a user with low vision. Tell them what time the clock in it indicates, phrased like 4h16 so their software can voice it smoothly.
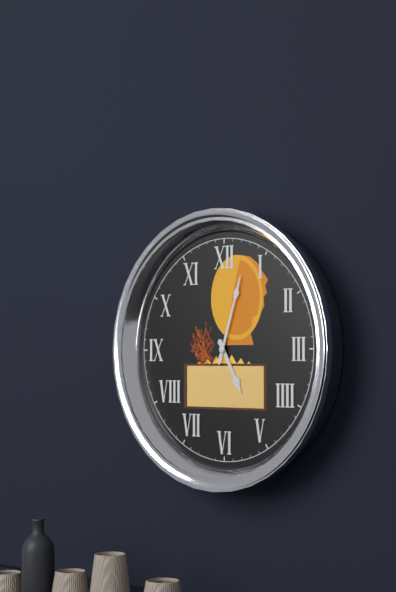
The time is 5h03
